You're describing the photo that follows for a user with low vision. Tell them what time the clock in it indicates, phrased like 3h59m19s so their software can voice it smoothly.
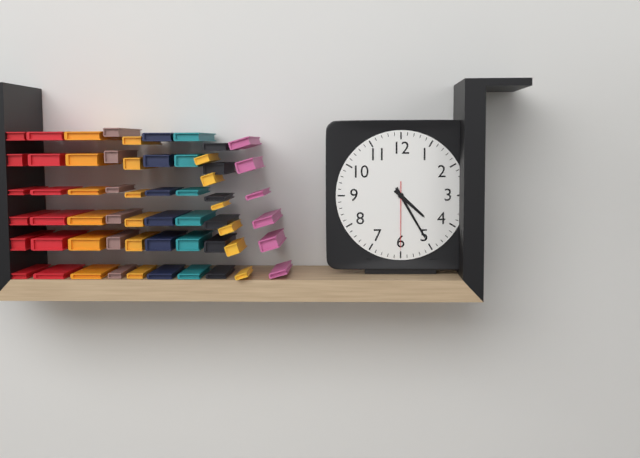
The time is 4h25m30s
